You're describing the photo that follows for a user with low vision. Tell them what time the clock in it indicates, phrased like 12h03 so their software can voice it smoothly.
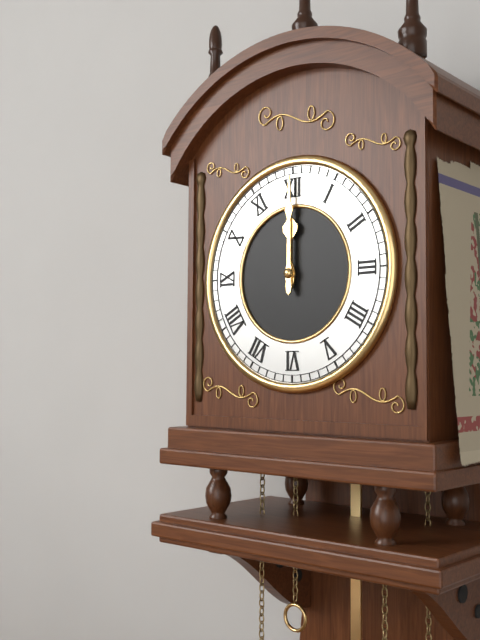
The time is 12h00
